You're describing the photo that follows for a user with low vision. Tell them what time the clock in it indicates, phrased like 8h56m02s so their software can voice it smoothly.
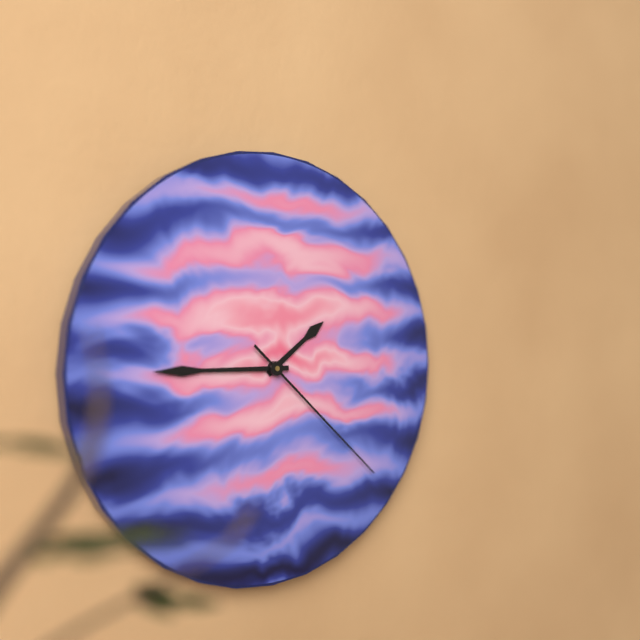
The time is 1h45m22s
